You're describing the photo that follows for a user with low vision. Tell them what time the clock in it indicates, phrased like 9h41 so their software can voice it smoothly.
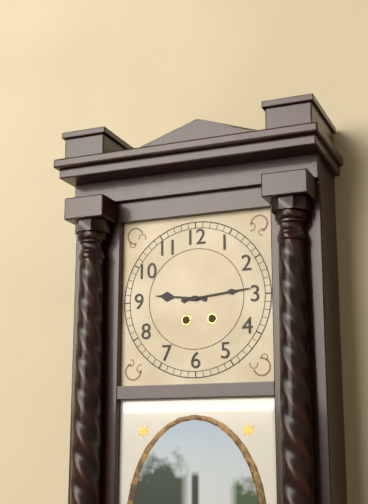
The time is 9h14
